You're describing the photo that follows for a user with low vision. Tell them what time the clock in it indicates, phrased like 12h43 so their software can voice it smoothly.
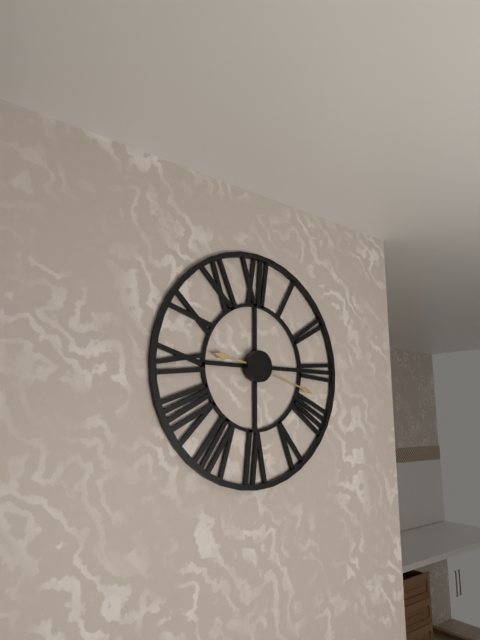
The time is 9h18
